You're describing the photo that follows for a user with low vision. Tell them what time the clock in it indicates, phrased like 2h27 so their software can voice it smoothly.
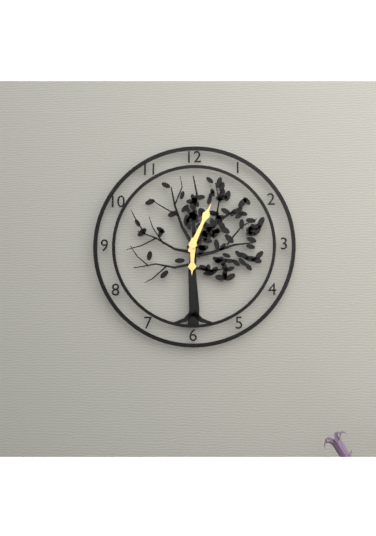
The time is 6h04
